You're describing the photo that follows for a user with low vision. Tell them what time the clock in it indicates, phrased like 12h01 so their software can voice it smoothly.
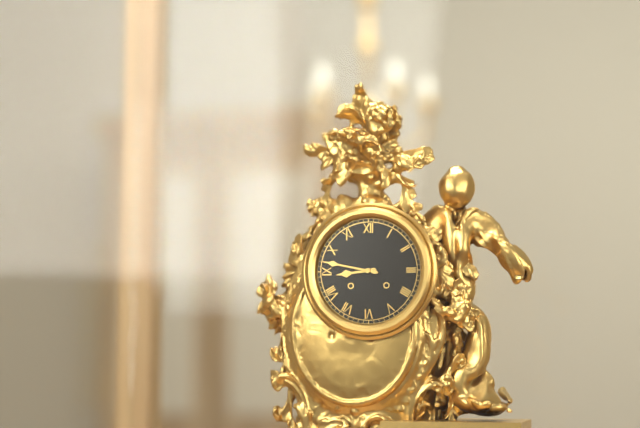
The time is 8h47
